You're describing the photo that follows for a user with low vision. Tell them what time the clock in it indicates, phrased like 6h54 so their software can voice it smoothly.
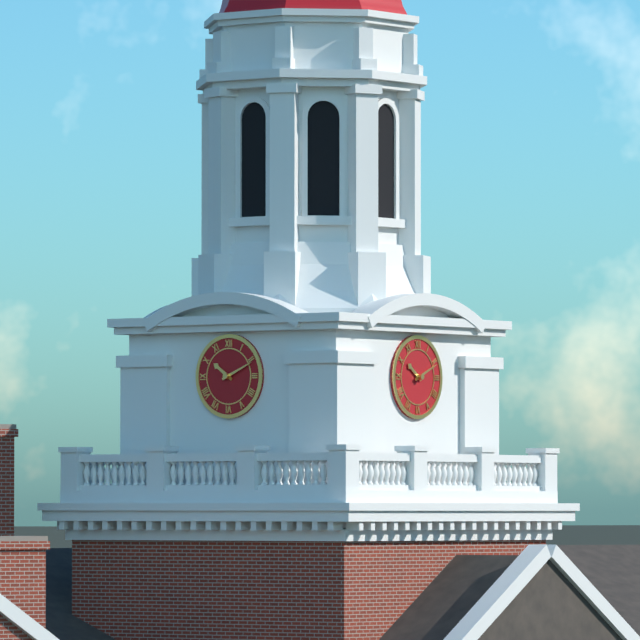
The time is 10h11
